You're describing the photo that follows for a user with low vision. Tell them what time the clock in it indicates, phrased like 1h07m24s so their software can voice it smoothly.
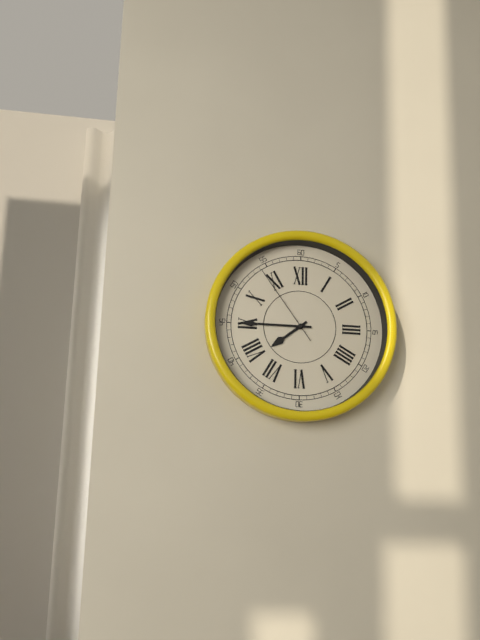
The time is 7h45m54s
